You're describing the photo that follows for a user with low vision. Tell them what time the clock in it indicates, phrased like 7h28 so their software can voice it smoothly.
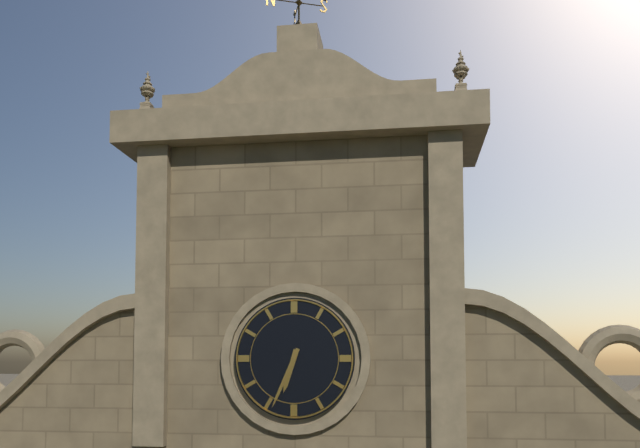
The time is 6h34
